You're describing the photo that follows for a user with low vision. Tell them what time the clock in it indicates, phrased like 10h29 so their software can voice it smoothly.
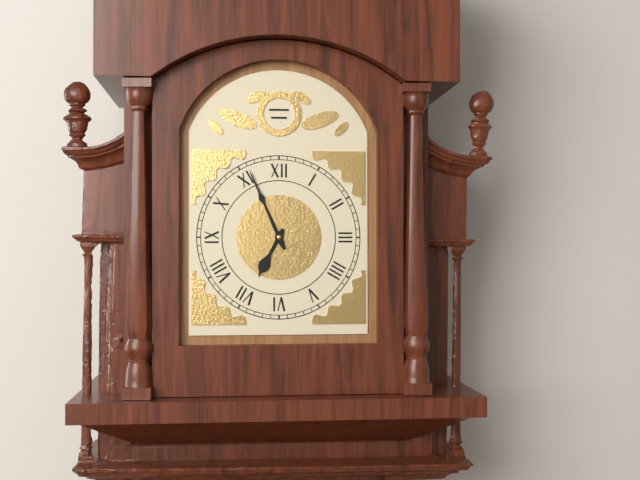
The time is 6h56
